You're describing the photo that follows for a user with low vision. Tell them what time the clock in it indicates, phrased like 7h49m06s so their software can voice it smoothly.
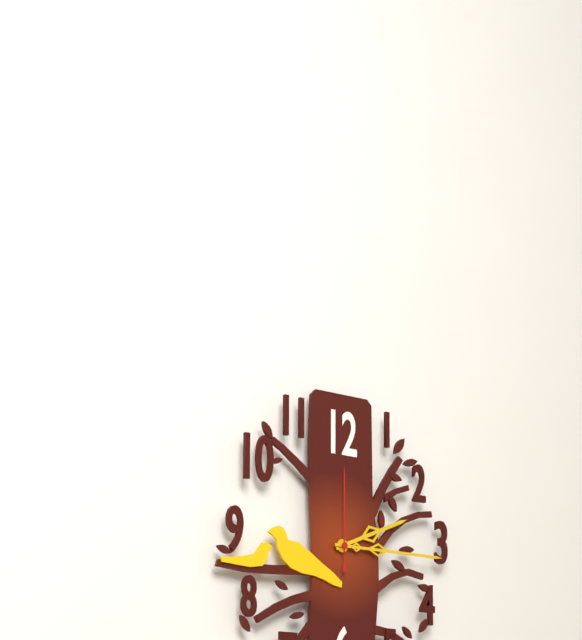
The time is 2h15m00s
